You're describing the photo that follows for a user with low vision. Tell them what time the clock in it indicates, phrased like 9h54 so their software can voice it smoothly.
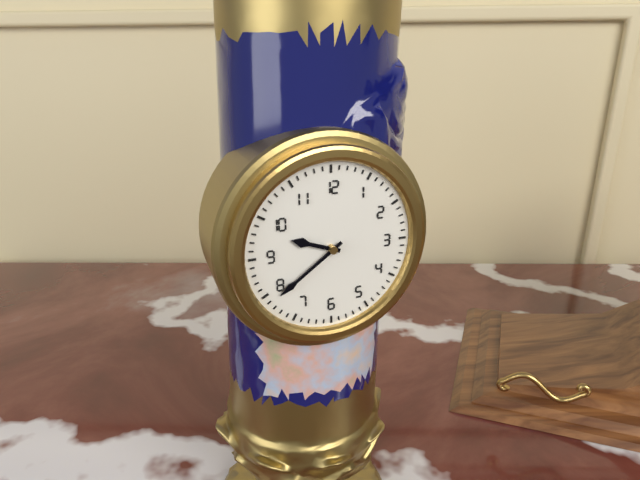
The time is 9h39
